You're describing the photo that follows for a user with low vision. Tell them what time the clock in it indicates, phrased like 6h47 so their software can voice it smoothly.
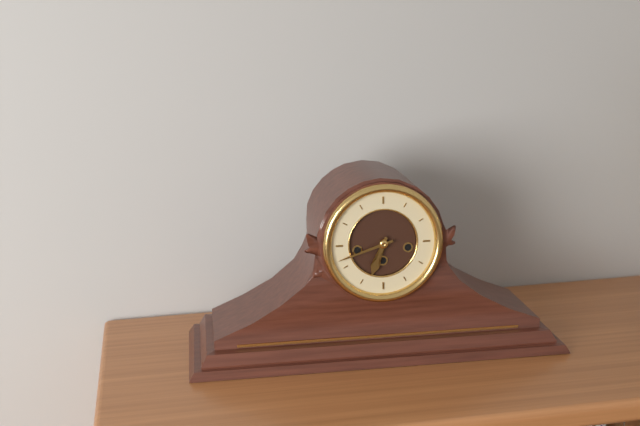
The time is 6h42
